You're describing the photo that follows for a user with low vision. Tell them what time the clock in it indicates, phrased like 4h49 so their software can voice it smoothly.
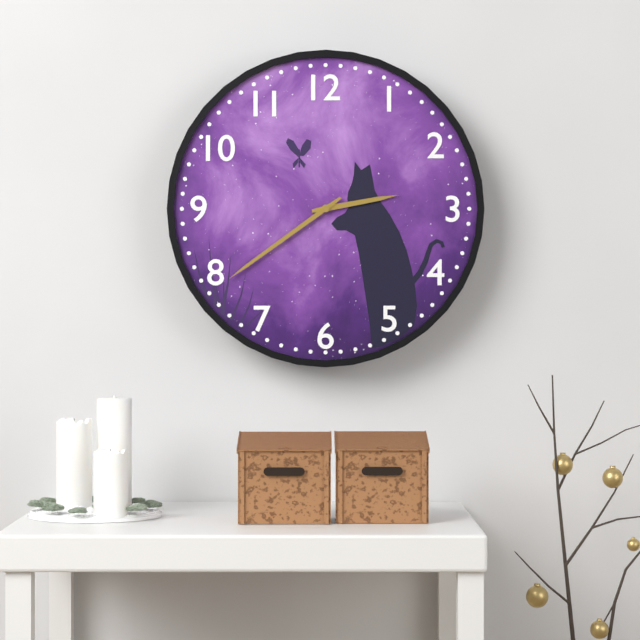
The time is 2h39
